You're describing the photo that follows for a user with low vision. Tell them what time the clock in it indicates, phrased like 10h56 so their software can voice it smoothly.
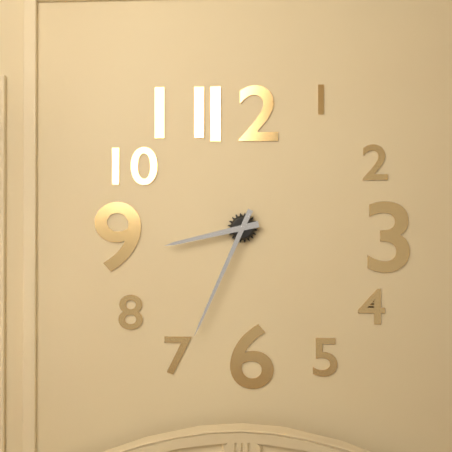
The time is 8h34
